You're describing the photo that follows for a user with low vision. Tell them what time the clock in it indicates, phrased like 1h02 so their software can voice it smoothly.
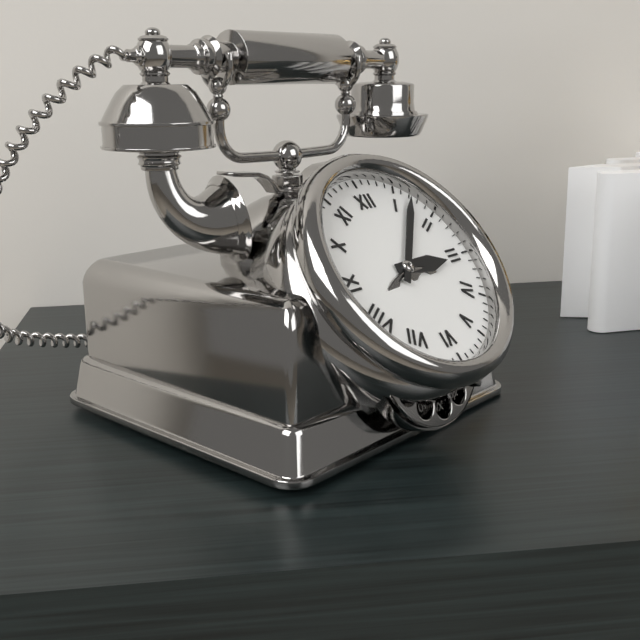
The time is 3h07
